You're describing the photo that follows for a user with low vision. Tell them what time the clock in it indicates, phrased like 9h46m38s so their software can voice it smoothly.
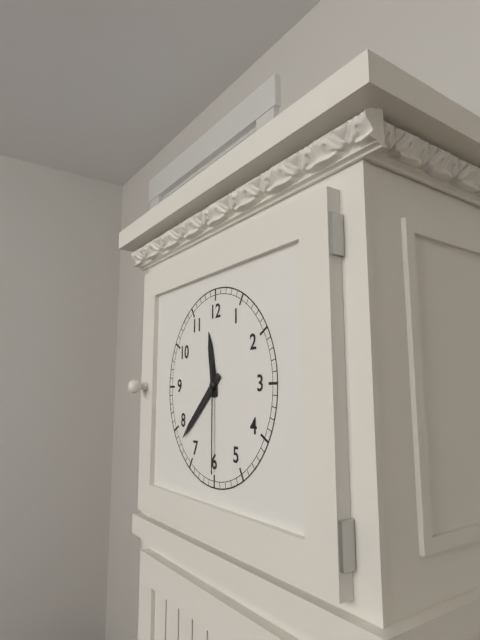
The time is 11h38m30s
